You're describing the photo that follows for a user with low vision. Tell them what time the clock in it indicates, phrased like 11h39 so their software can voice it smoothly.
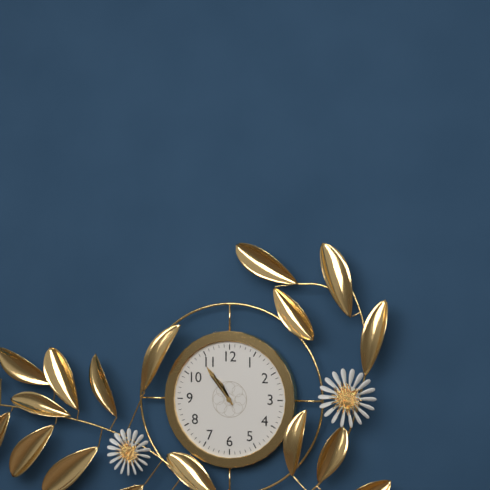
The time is 10h54
